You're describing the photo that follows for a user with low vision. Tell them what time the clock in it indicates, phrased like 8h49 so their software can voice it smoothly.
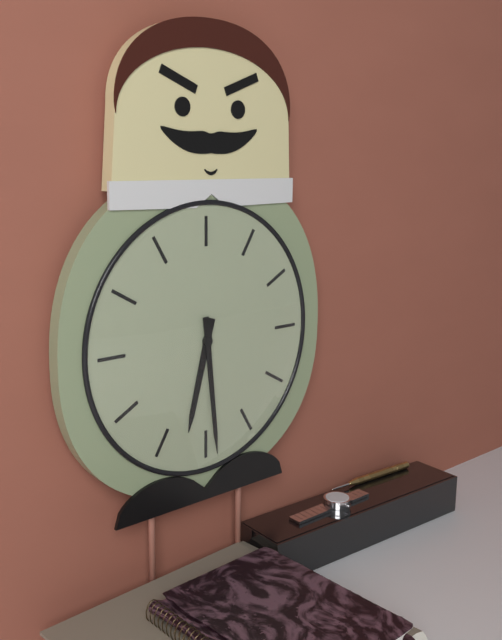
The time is 6h29
